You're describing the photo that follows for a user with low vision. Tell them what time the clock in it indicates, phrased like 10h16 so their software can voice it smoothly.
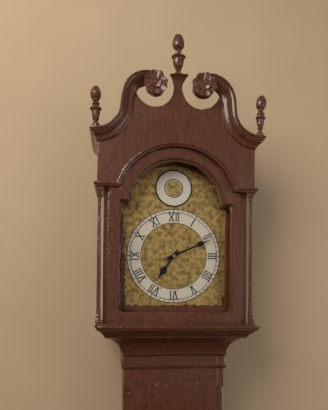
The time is 7h11
